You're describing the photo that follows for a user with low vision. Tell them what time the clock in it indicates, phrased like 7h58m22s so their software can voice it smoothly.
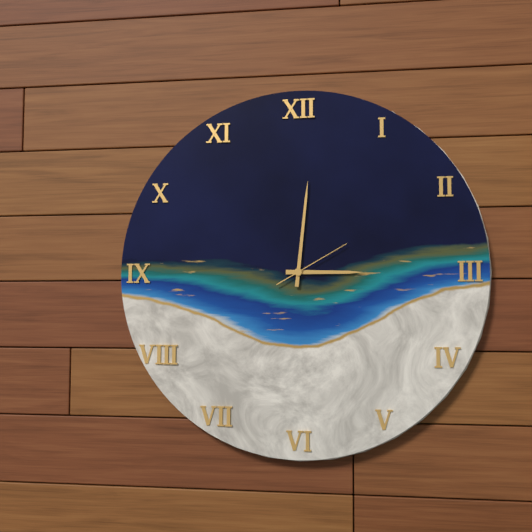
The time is 3h01m10s
